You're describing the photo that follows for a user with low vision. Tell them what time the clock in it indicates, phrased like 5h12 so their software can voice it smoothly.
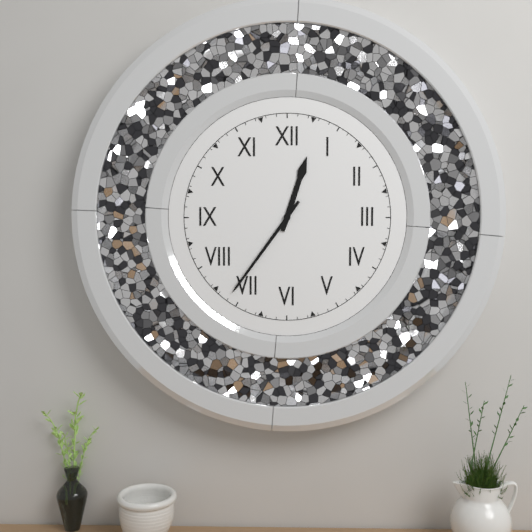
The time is 12h36
